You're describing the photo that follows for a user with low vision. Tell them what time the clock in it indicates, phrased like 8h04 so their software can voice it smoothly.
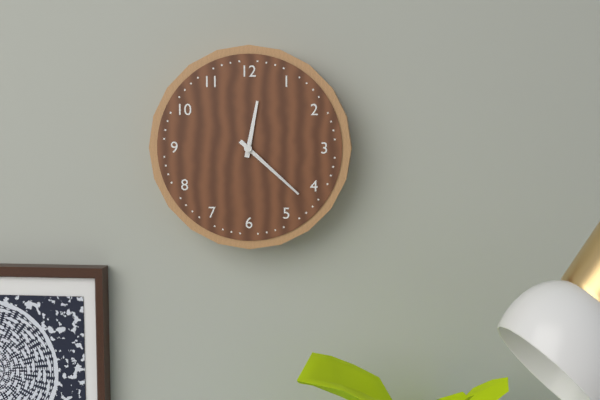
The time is 12h22
